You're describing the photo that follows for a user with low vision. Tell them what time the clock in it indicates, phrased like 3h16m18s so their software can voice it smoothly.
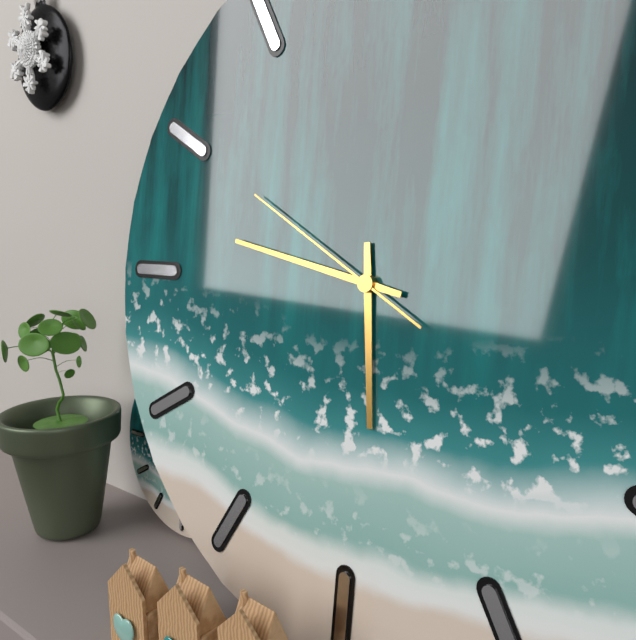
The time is 5h47m50s
